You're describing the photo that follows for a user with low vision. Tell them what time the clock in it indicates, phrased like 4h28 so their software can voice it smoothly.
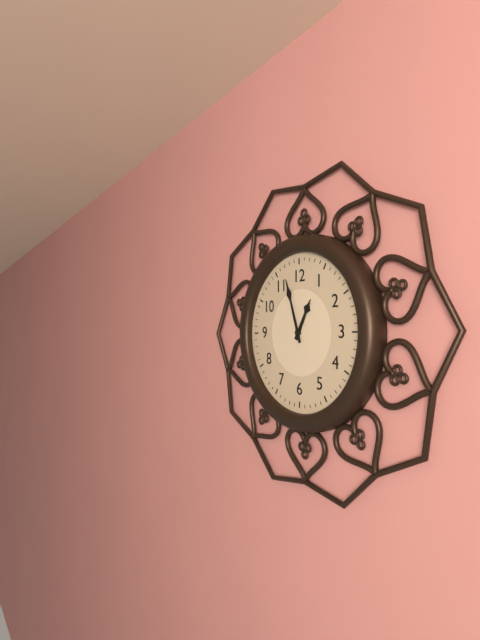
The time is 12h57
